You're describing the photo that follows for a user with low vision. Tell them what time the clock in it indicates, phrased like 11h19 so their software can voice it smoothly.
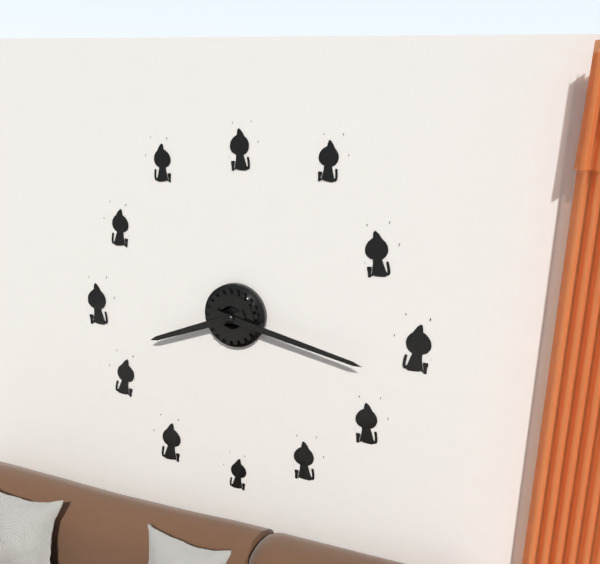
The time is 8h17
